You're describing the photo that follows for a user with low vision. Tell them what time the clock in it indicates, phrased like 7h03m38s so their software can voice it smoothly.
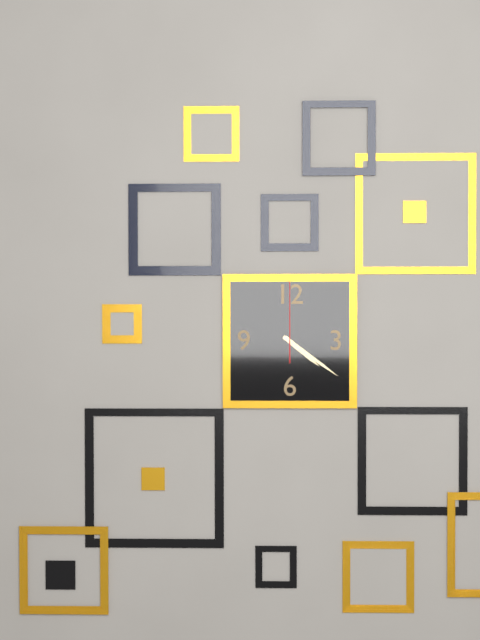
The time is 4h21m00s
